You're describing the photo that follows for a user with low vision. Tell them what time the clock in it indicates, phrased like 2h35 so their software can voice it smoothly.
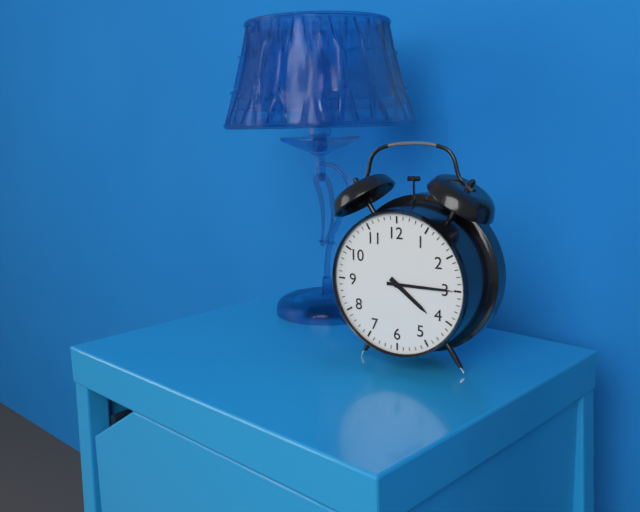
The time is 4h15
